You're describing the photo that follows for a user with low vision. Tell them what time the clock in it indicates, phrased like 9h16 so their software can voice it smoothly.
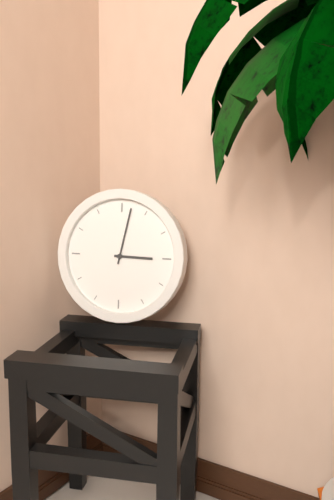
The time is 3h02
